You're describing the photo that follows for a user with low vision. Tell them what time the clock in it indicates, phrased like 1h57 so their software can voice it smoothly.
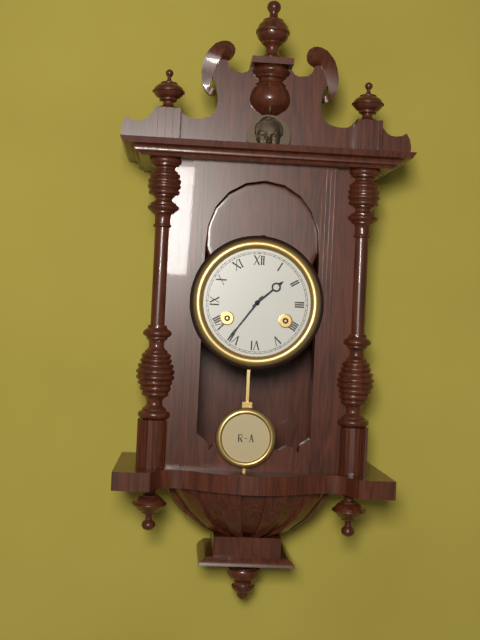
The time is 1h36
